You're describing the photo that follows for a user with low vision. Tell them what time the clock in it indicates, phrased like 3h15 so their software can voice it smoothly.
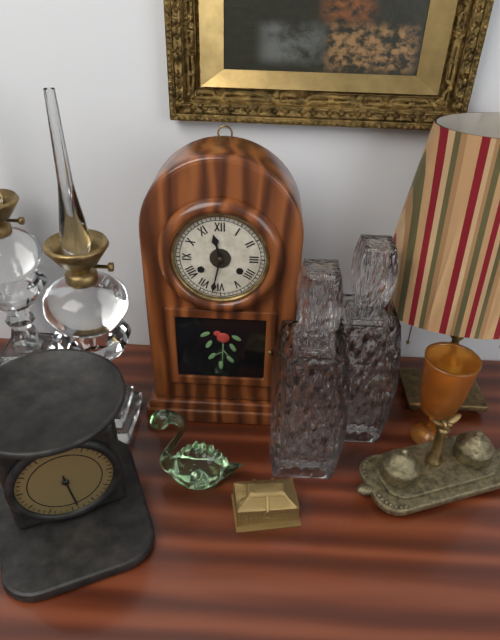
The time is 11h32
